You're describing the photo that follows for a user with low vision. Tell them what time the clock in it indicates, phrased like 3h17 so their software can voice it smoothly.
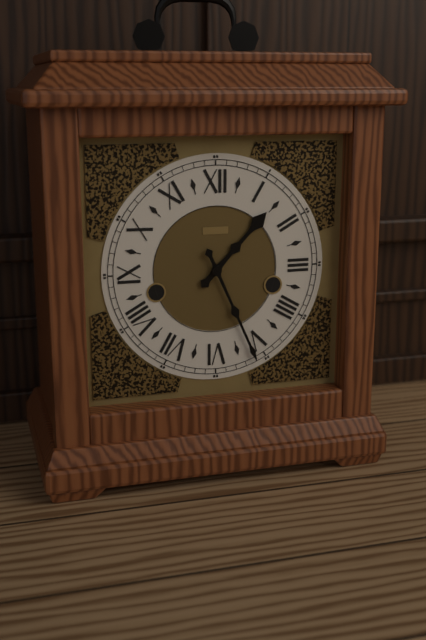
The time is 1h26
